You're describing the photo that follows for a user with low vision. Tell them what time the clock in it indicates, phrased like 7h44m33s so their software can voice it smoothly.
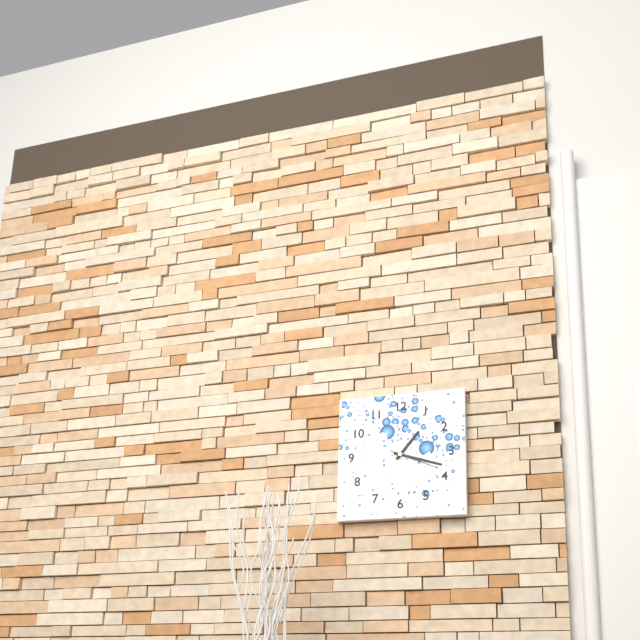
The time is 1h18m19s
